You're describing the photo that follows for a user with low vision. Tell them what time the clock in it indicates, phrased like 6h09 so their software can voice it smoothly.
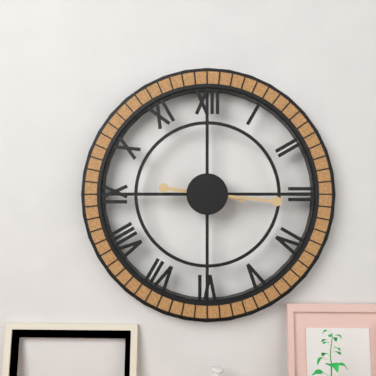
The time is 9h16
